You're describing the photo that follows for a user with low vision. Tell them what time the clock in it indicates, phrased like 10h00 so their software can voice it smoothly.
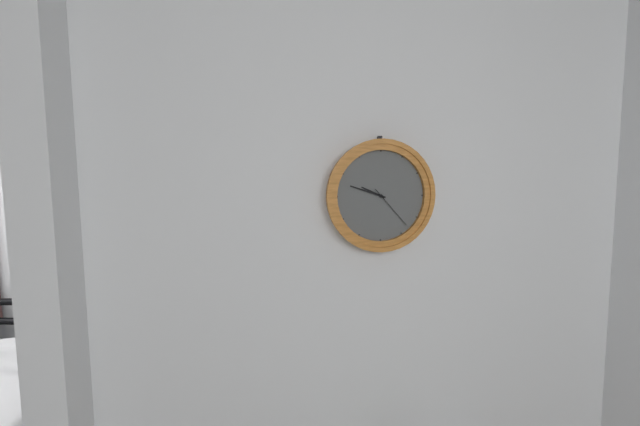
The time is 9h48
